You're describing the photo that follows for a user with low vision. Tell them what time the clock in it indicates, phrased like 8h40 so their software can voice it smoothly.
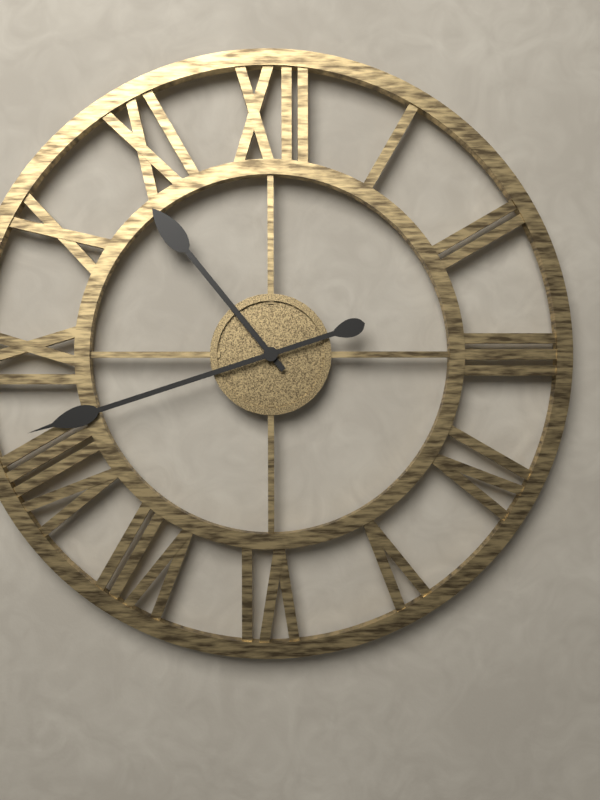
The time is 10h42
